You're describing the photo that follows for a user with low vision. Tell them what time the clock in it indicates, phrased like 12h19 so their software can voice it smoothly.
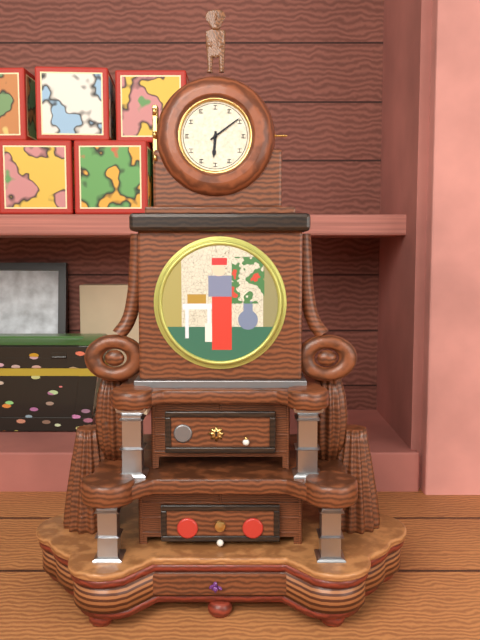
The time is 6h09
